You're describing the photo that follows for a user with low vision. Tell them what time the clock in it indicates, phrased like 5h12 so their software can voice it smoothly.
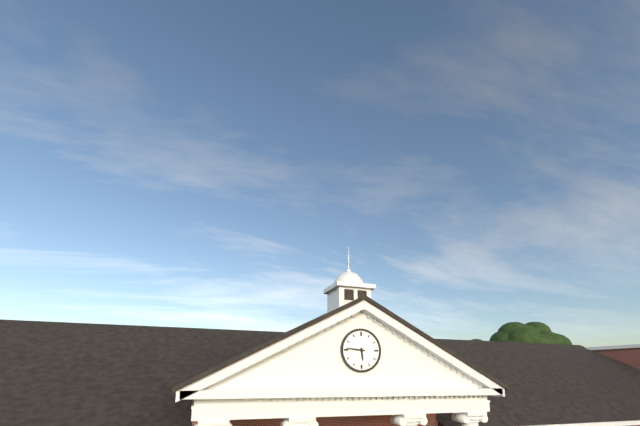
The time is 5h46
